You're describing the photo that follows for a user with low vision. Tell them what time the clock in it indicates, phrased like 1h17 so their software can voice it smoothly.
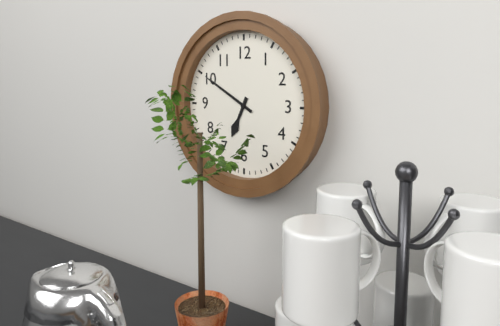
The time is 6h50
